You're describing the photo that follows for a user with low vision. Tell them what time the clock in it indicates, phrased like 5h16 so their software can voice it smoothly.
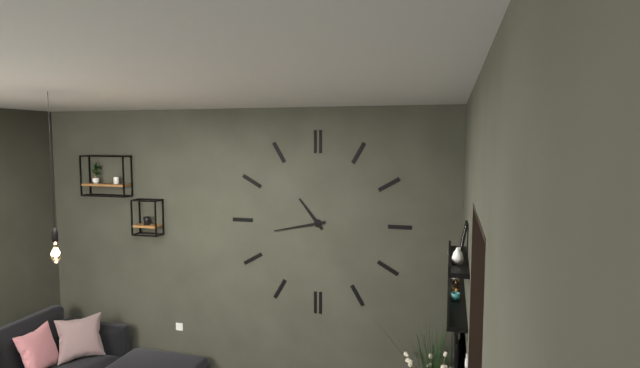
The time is 10h43
